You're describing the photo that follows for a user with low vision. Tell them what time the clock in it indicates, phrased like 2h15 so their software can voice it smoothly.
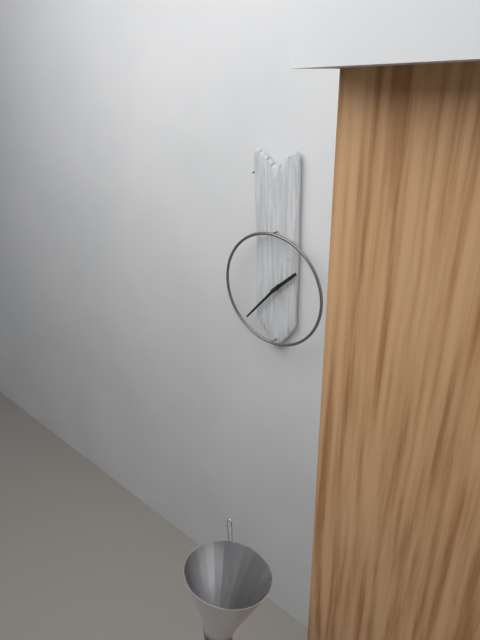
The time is 1h37
